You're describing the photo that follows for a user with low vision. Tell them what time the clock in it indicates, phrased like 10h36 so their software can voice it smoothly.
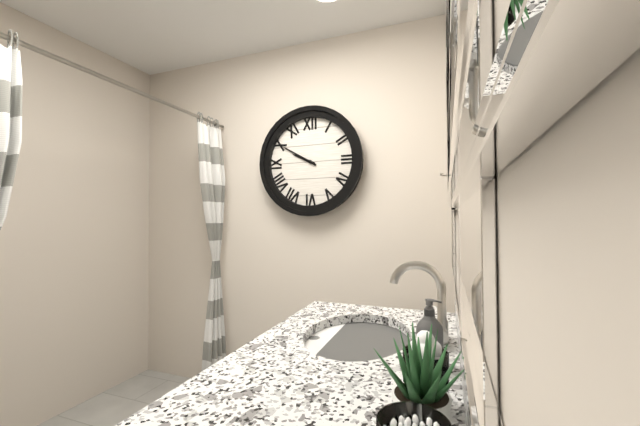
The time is 9h50
